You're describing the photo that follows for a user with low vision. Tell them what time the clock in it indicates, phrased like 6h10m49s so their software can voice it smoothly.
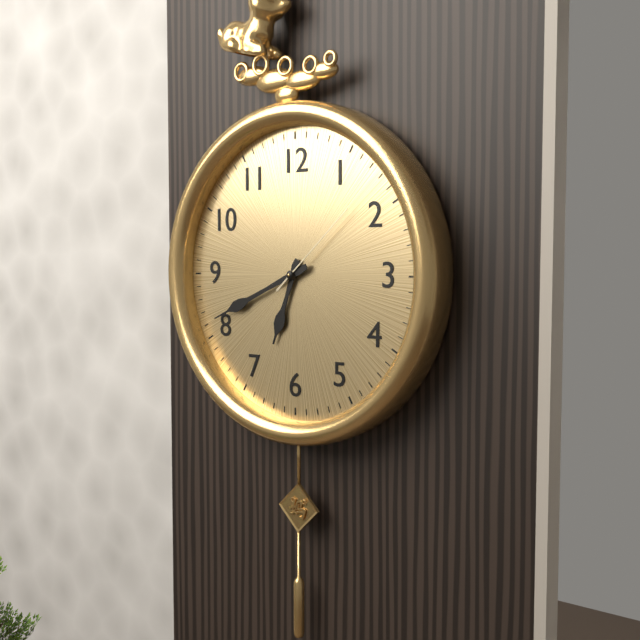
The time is 6h41m08s
